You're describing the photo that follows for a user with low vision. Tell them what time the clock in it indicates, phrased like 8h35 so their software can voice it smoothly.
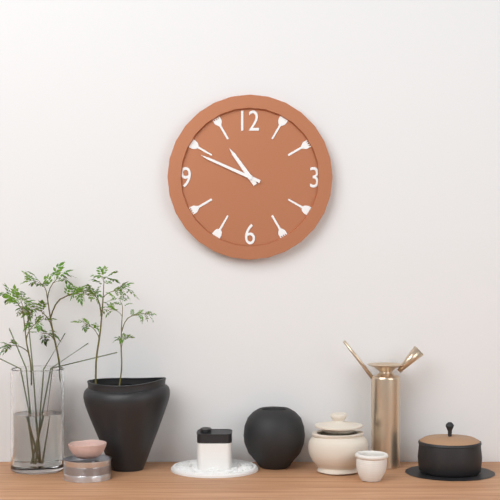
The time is 10h49
